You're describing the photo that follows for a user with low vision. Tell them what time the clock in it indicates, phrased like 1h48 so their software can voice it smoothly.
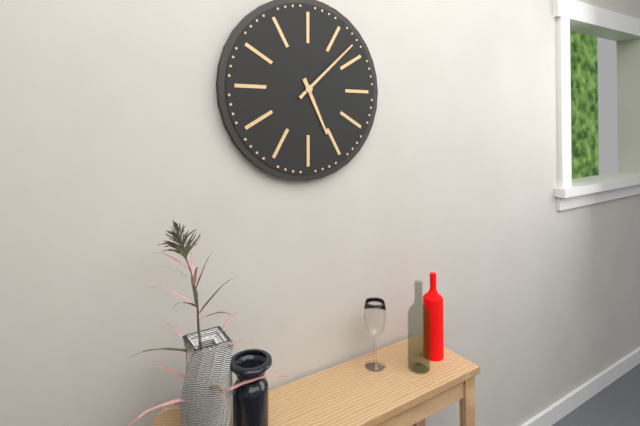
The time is 5h08
